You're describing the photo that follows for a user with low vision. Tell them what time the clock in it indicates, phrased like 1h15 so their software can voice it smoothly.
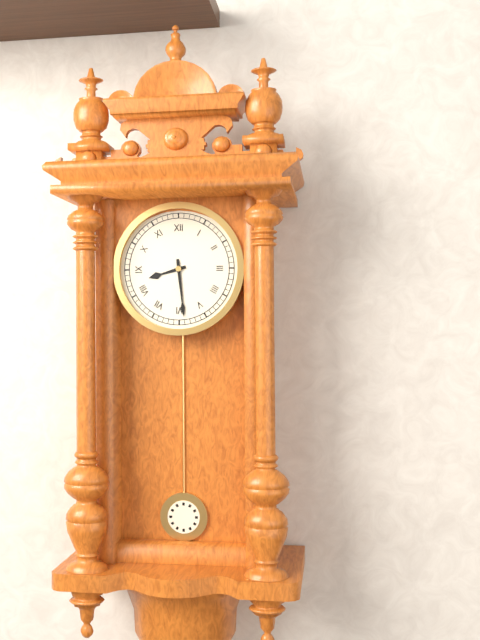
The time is 8h29
